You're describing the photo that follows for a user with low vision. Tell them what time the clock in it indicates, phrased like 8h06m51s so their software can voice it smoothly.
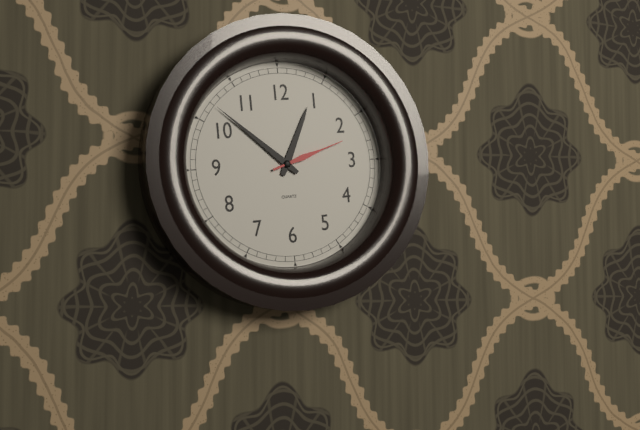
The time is 12h52m12s
